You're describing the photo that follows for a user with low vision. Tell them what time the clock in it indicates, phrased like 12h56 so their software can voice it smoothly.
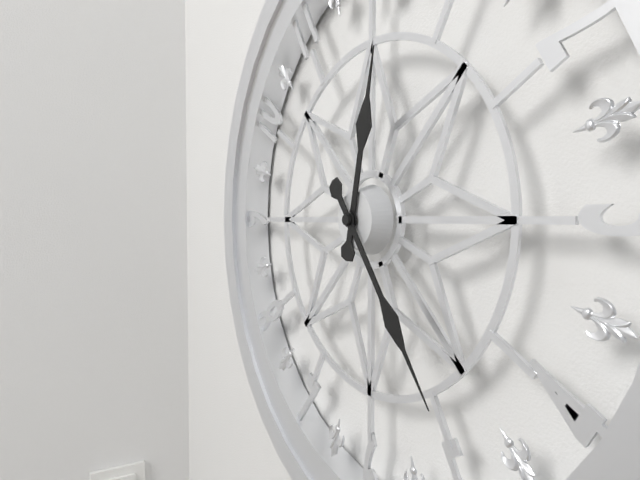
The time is 12h24
